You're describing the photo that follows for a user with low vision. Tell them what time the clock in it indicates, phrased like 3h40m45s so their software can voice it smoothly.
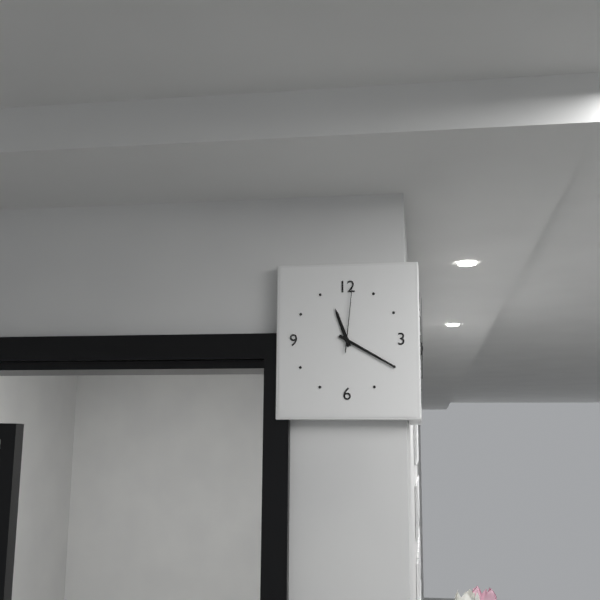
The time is 11h20m01s
